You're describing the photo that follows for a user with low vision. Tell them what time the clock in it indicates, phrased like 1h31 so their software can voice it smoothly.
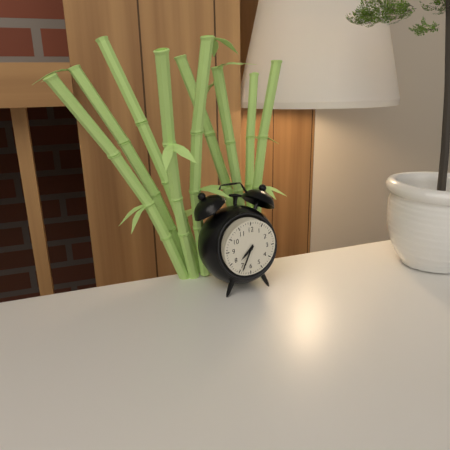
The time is 7h34
